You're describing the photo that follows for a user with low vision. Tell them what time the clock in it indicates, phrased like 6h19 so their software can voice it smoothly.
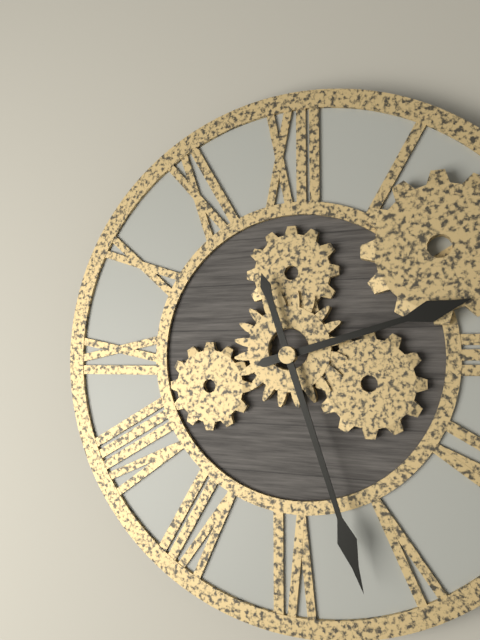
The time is 2h27
